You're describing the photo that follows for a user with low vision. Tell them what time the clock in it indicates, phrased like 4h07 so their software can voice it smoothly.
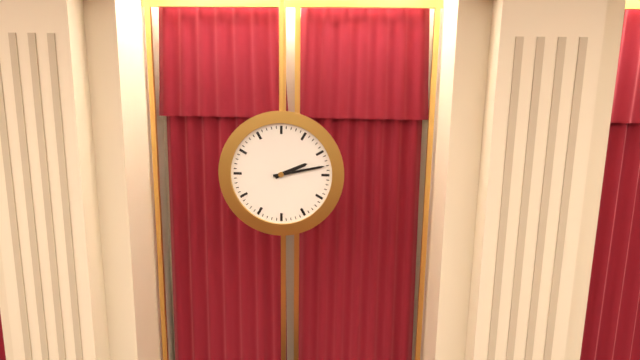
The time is 2h13
